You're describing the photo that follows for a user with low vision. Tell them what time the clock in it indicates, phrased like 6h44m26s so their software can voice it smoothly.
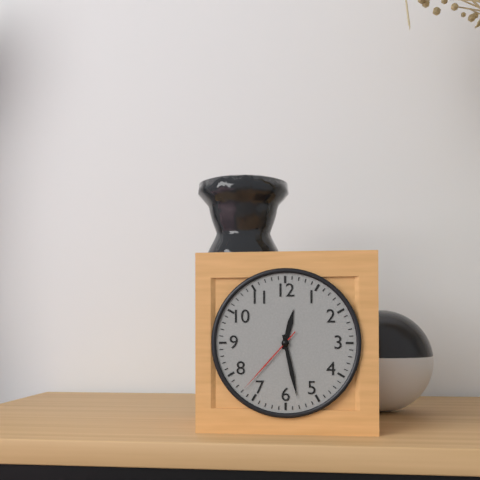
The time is 12h28m37s
